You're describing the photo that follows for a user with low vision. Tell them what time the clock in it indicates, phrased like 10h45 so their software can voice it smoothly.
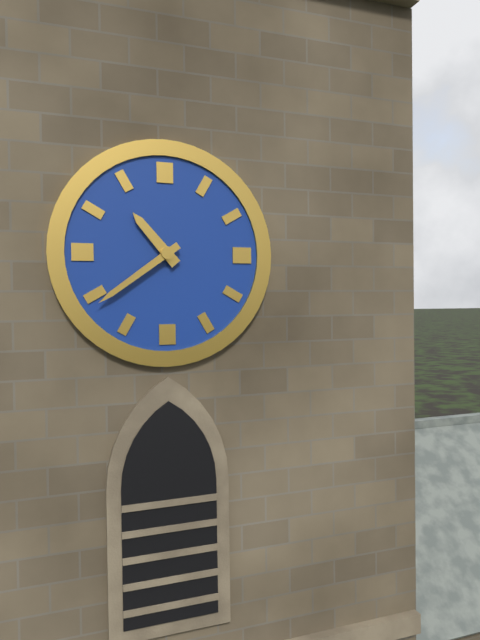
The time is 10h39
